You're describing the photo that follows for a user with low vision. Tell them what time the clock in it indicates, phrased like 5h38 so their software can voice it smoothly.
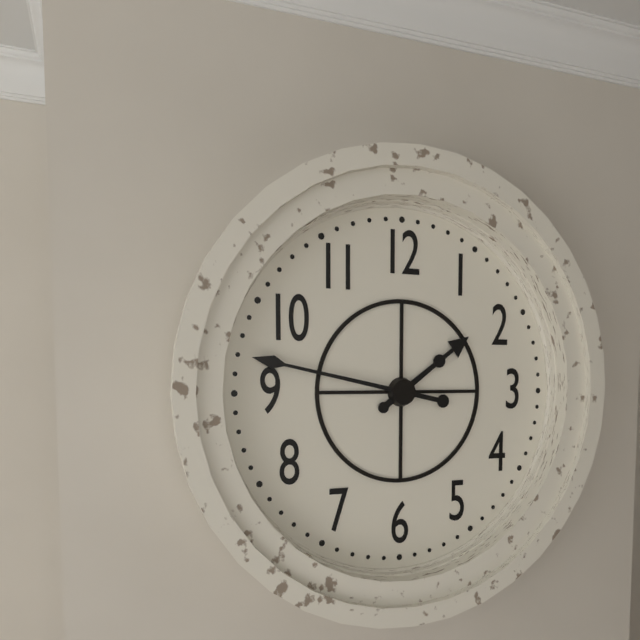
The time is 1h47
